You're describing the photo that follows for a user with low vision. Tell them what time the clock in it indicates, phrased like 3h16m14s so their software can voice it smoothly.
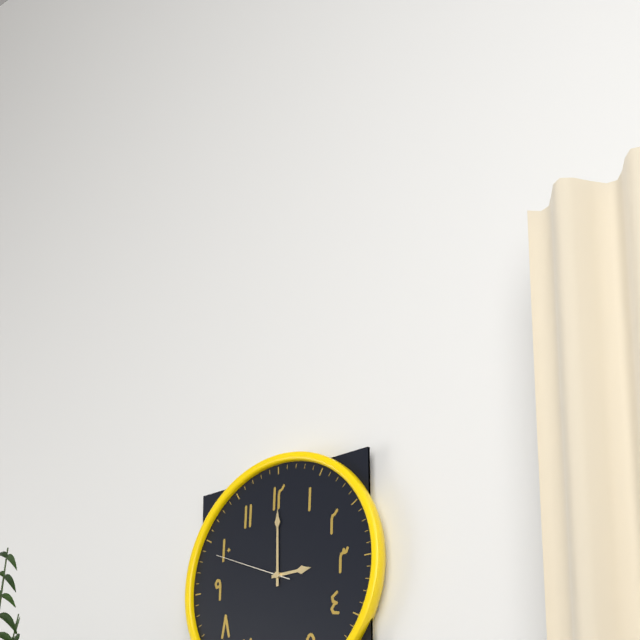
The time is 3h00m49s
